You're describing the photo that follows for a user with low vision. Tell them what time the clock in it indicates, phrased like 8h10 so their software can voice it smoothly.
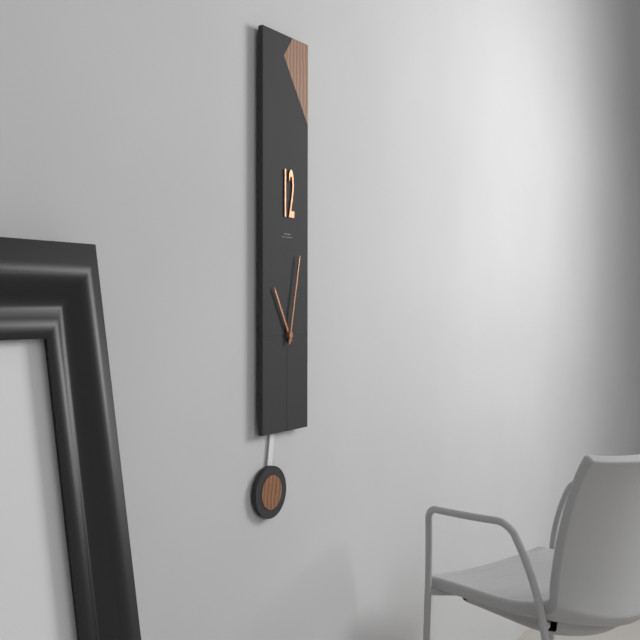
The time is 11h02
